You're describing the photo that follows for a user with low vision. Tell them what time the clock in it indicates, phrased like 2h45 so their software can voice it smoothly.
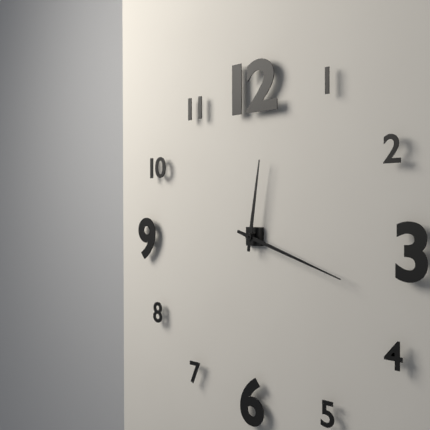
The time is 12h18
